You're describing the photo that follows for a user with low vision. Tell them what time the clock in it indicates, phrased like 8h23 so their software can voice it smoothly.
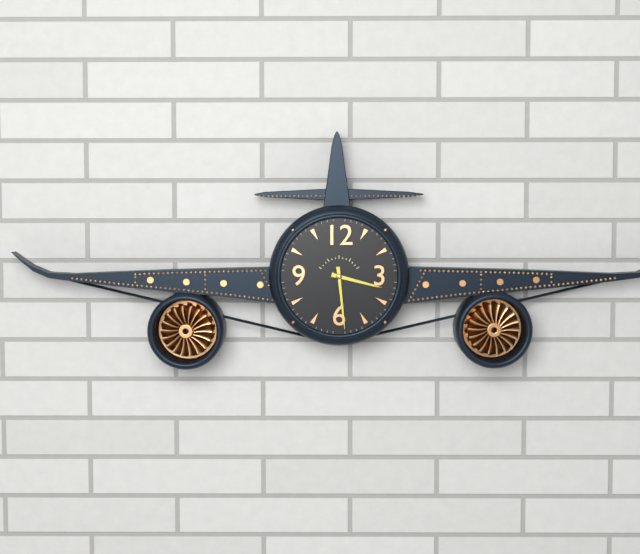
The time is 3h29
